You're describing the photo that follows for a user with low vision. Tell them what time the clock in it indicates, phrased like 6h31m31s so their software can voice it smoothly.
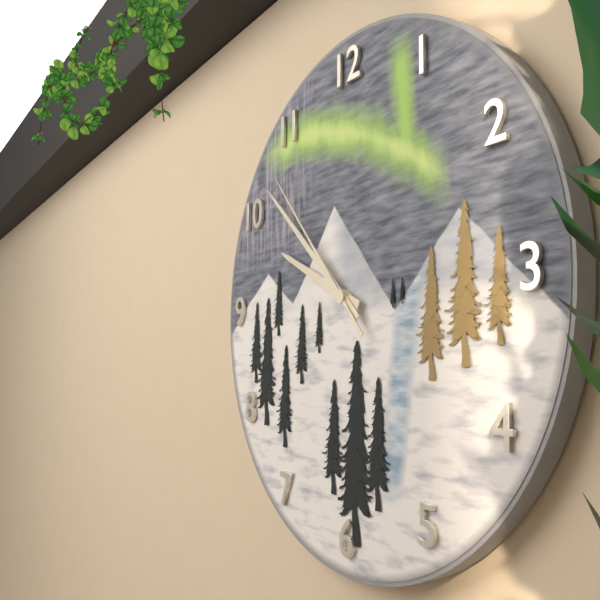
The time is 9h52m53s
